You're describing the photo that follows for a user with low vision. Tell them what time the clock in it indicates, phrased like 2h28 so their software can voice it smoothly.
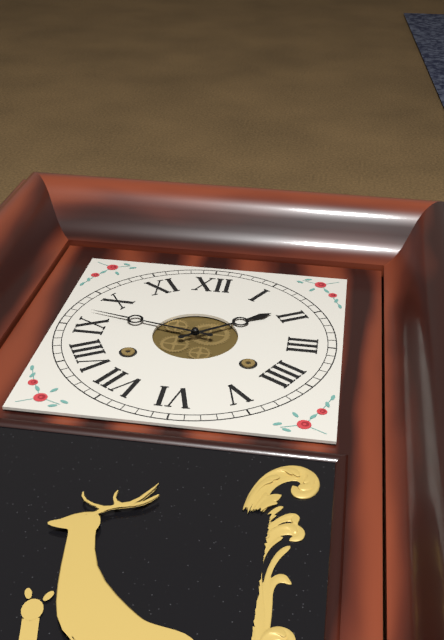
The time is 1h47
